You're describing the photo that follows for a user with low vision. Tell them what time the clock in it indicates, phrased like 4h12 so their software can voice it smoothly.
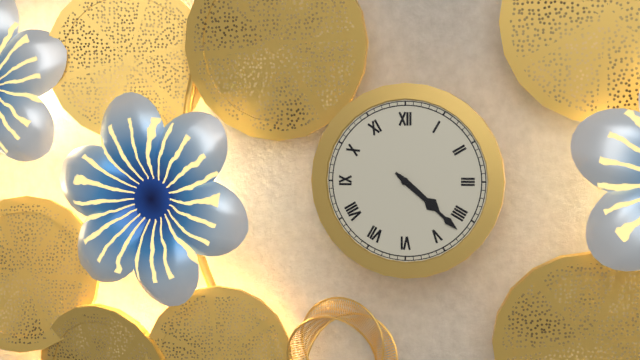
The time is 4h22
